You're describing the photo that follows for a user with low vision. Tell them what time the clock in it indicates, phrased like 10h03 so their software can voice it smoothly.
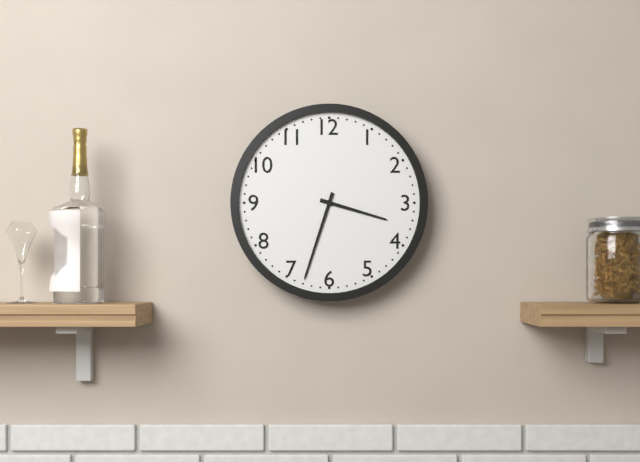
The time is 3h33
